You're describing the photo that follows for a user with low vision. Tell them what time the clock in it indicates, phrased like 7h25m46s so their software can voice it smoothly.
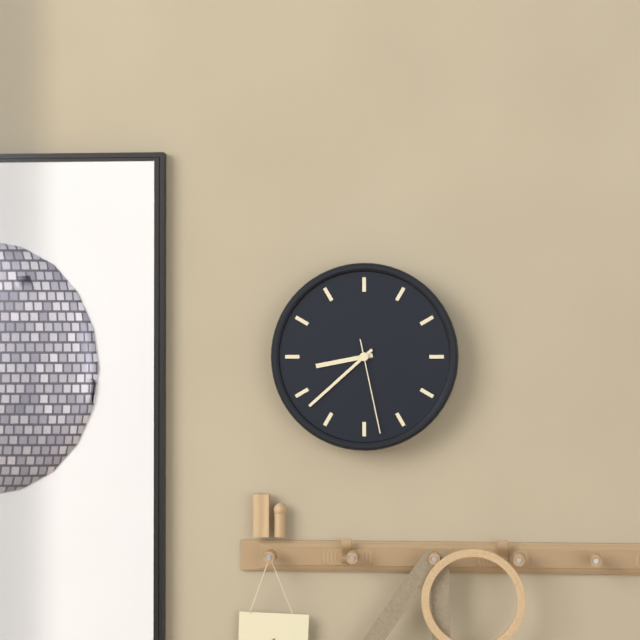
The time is 8h38m28s
